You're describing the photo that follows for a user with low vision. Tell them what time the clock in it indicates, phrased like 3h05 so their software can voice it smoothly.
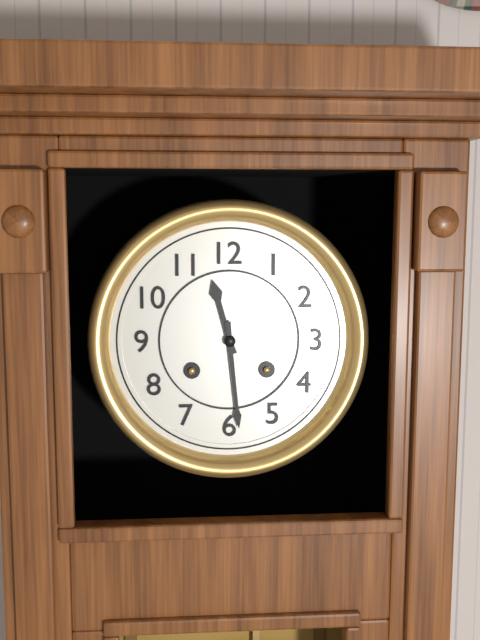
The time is 11h29
